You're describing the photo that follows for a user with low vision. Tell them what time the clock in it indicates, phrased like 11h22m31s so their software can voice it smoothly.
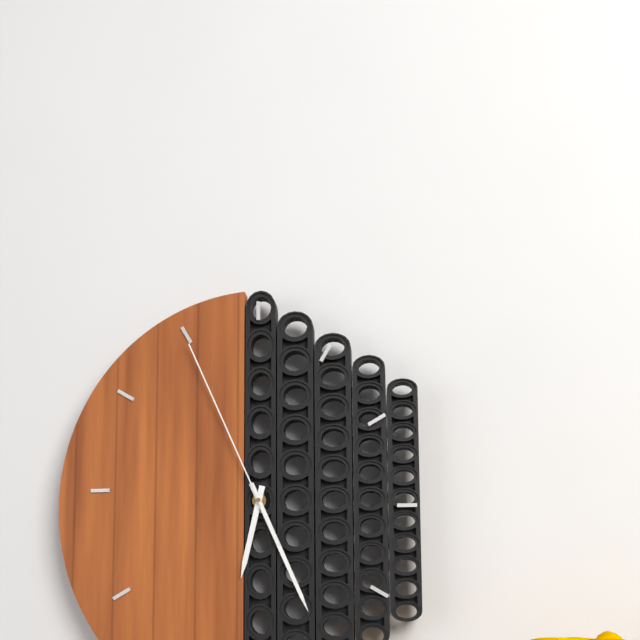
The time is 6h26m56s
